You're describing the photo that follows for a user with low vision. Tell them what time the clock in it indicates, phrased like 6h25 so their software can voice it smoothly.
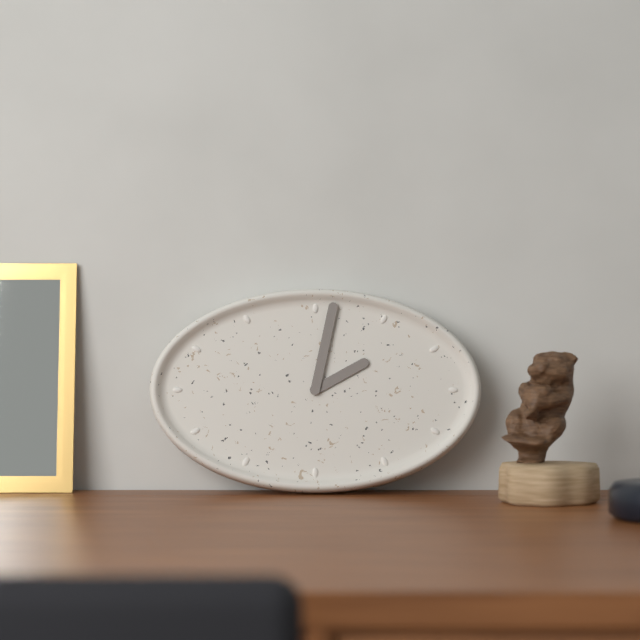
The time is 2h02
